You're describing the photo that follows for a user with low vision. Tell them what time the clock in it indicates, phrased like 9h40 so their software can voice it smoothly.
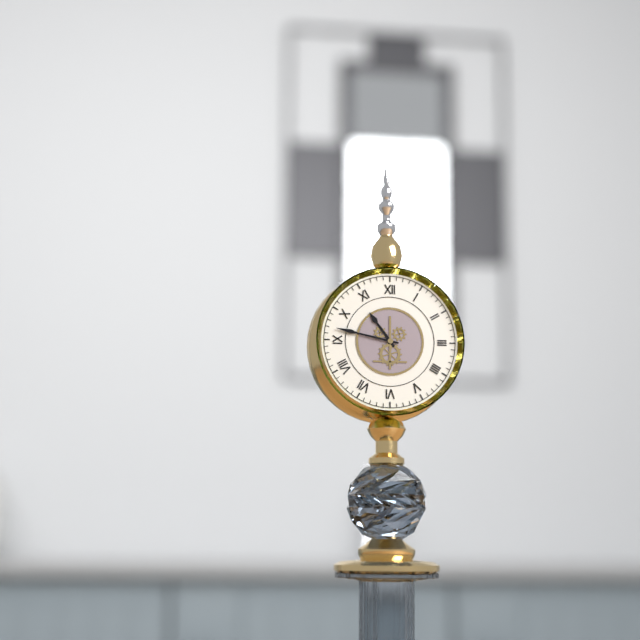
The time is 10h47
